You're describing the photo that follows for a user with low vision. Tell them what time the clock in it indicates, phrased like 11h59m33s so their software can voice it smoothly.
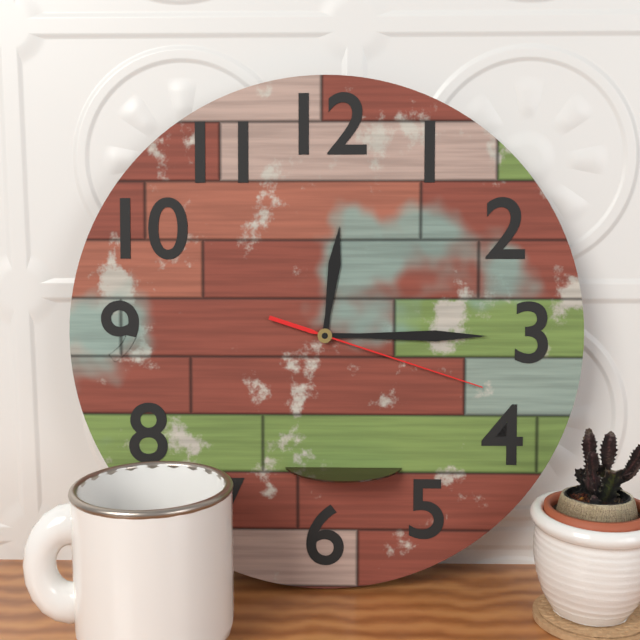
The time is 12h15m18s
